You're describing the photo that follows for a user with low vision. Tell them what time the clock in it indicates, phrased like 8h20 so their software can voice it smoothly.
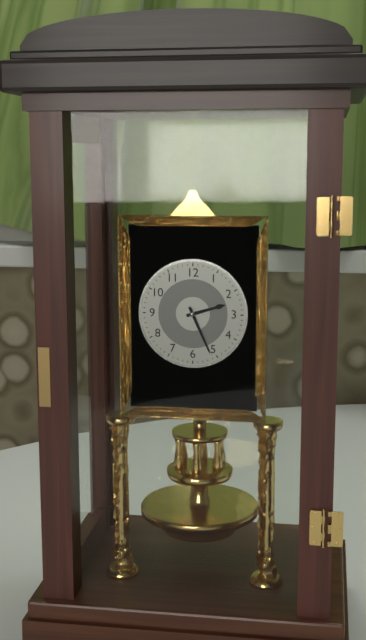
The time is 2h26
